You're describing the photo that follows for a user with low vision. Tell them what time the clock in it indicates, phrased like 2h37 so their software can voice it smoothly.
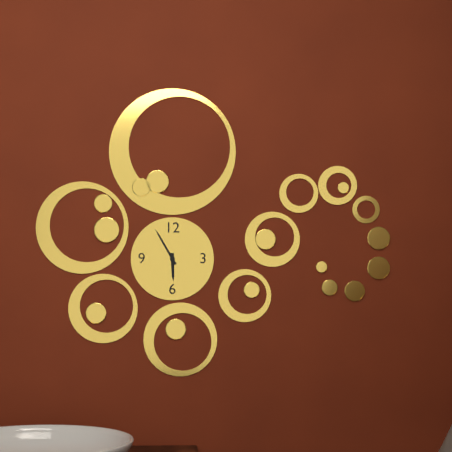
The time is 5h55
